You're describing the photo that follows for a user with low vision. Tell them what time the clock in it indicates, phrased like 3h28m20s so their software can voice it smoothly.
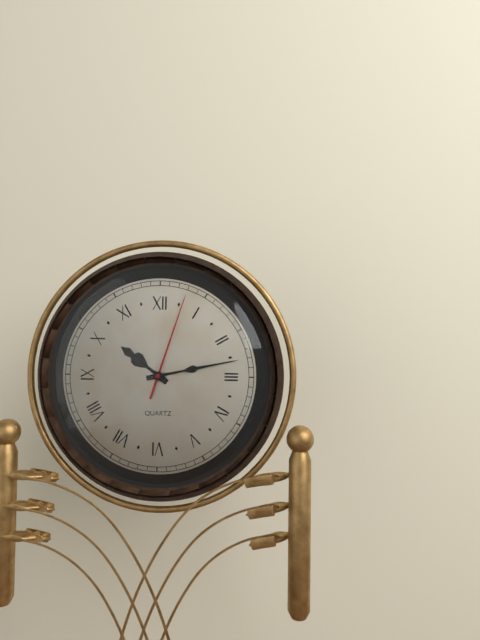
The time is 10h13m03s
